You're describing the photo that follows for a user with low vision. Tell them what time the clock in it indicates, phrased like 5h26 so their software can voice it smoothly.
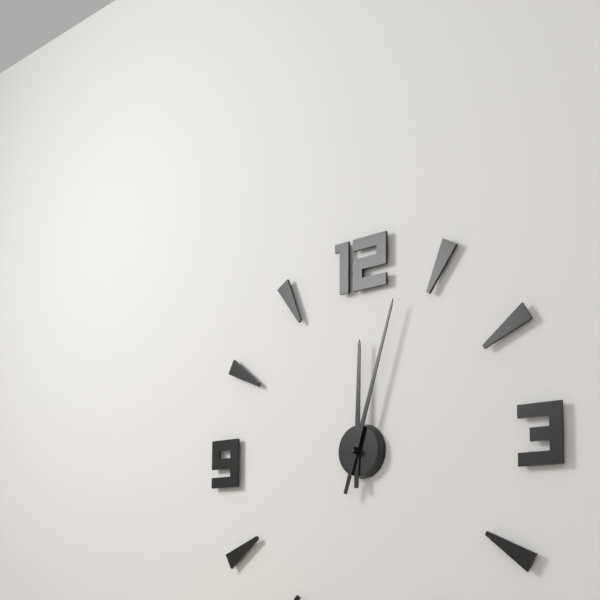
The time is 12h03
